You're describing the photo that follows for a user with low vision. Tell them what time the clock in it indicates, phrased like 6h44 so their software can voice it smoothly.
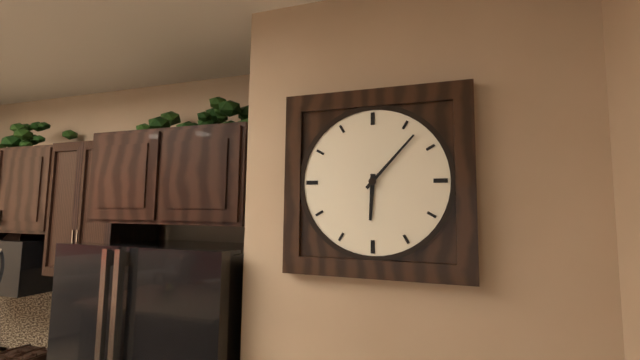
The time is 6h07
